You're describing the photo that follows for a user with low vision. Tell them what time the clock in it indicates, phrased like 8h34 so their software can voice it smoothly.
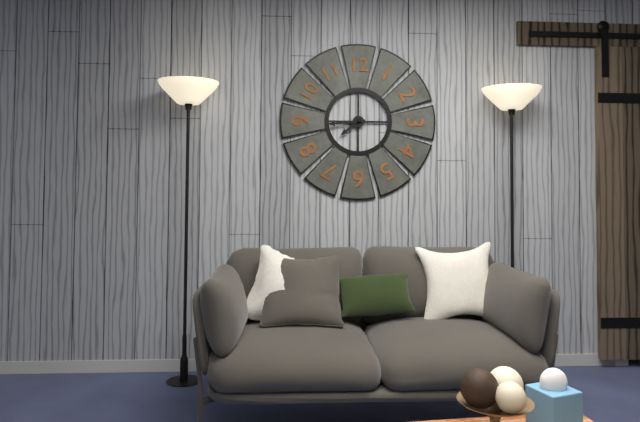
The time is 7h44
